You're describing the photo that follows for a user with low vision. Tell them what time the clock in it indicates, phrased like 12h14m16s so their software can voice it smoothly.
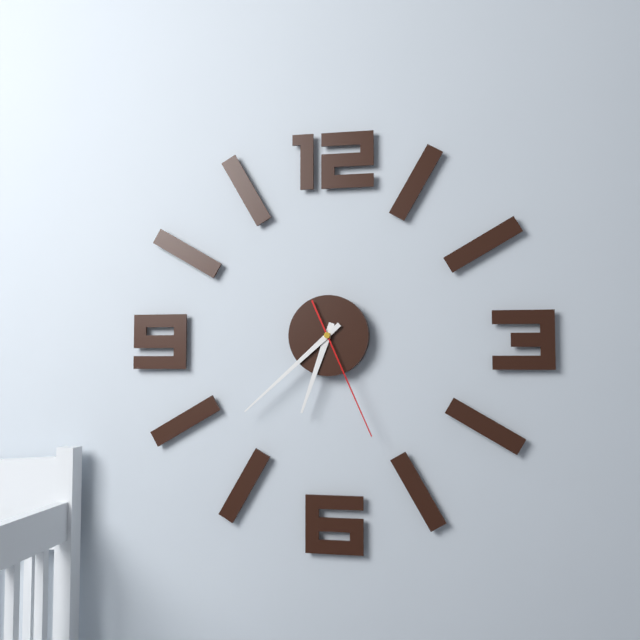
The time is 6h38m26s
